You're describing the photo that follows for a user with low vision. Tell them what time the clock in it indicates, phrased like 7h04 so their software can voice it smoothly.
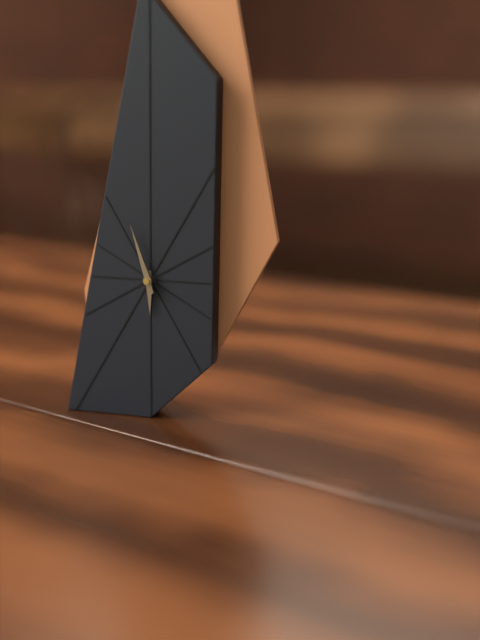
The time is 5h57
